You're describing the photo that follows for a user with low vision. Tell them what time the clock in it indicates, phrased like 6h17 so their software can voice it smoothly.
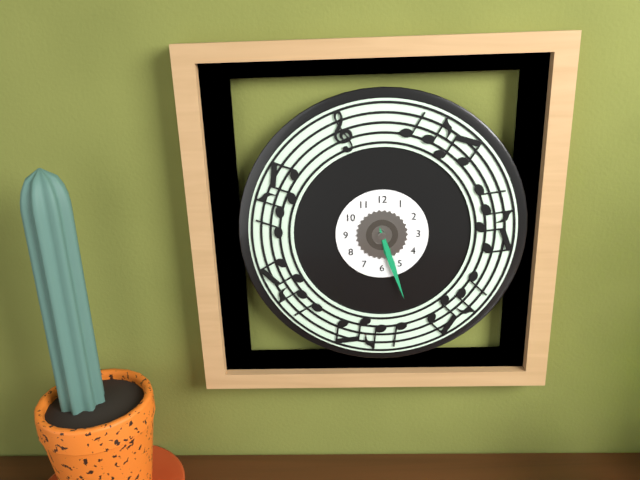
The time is 5h27
